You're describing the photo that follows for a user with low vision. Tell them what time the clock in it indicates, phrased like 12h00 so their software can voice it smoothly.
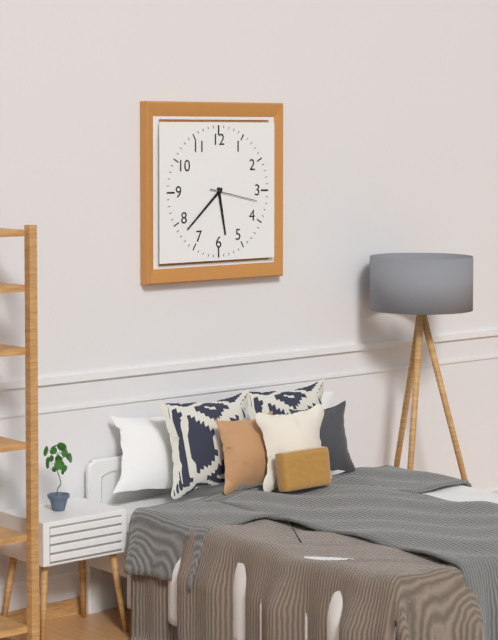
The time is 5h38
